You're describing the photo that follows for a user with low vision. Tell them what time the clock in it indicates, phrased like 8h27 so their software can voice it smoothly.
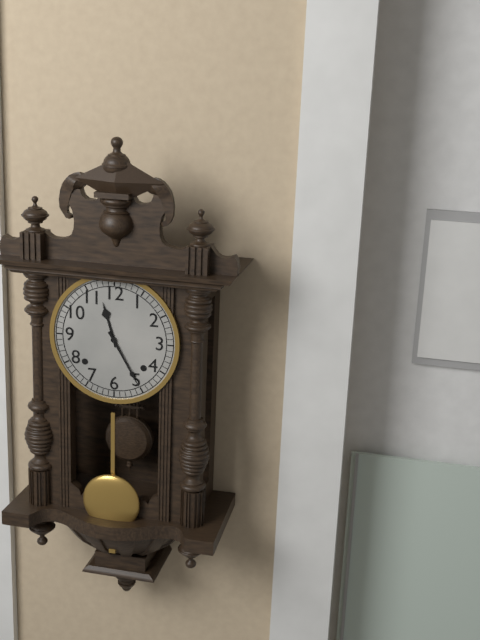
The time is 11h25
